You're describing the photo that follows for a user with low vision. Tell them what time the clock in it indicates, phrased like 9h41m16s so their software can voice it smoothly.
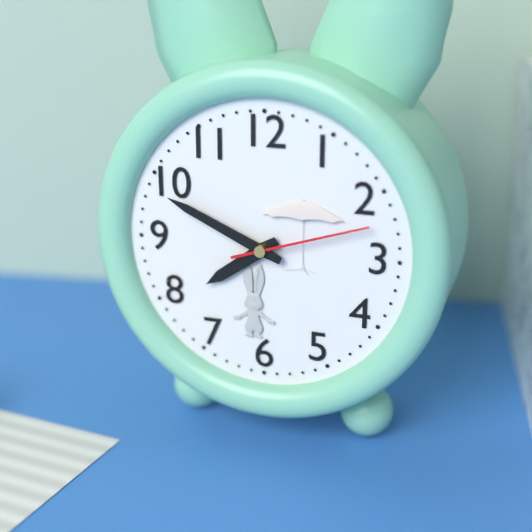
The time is 7h49m12s
